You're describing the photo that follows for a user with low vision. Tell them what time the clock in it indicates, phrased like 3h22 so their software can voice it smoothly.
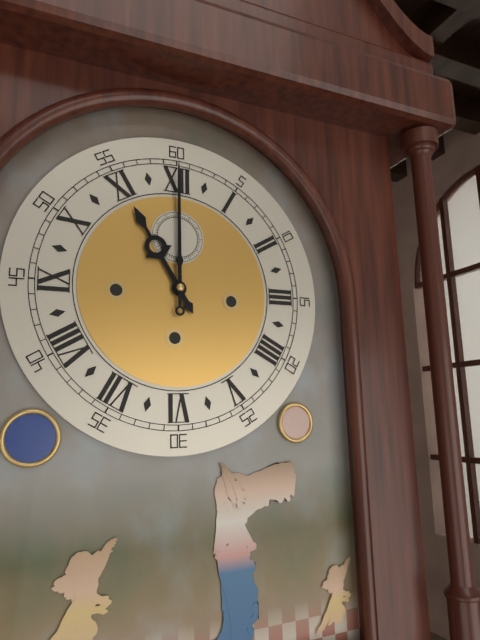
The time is 11h00
